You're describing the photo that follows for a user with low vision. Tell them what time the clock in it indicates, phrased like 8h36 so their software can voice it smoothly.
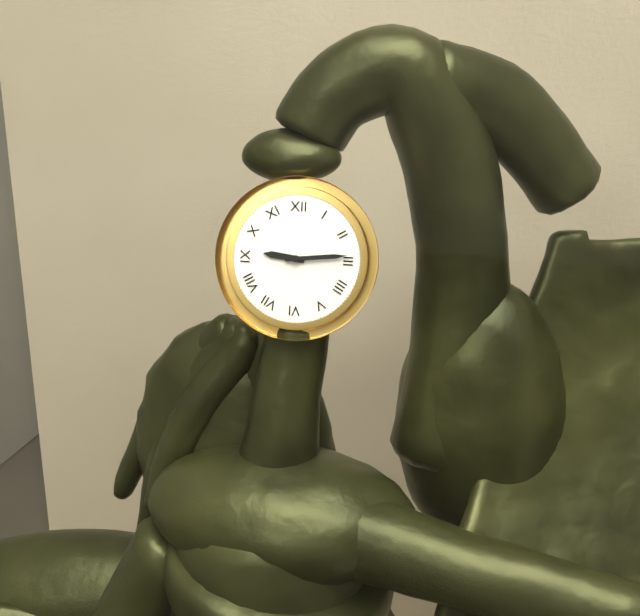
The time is 9h14
